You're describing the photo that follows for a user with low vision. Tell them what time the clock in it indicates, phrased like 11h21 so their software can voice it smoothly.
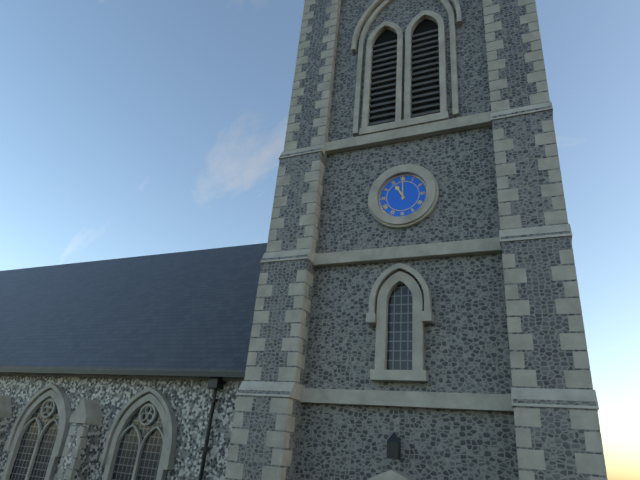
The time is 11h00
